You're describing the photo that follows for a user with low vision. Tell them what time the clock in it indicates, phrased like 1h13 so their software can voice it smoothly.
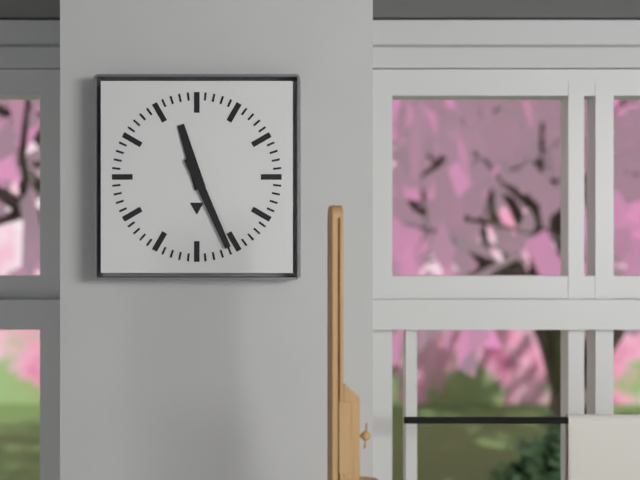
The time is 11h26
